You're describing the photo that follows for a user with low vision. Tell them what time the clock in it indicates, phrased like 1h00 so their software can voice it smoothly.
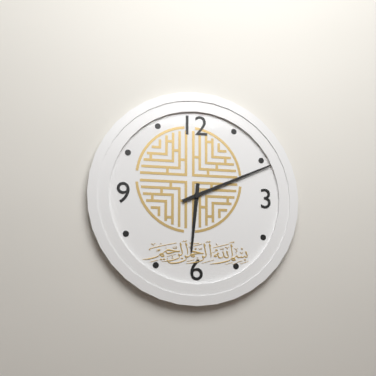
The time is 6h11
